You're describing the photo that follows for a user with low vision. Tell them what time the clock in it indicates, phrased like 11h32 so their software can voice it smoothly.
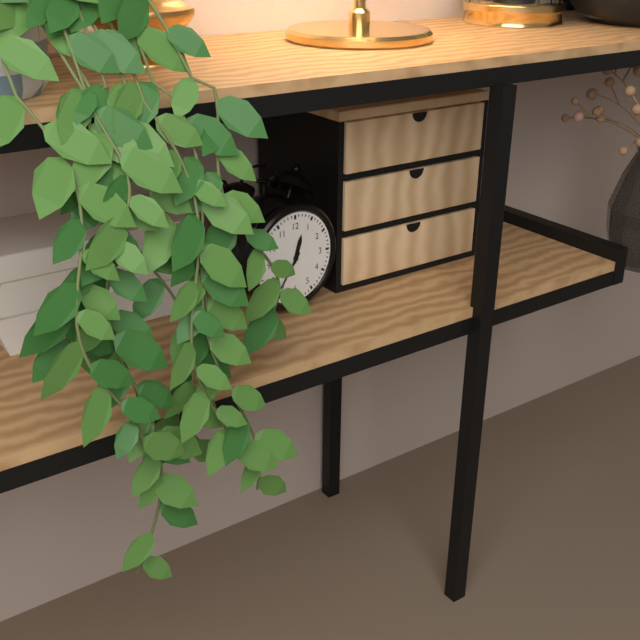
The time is 12h36
